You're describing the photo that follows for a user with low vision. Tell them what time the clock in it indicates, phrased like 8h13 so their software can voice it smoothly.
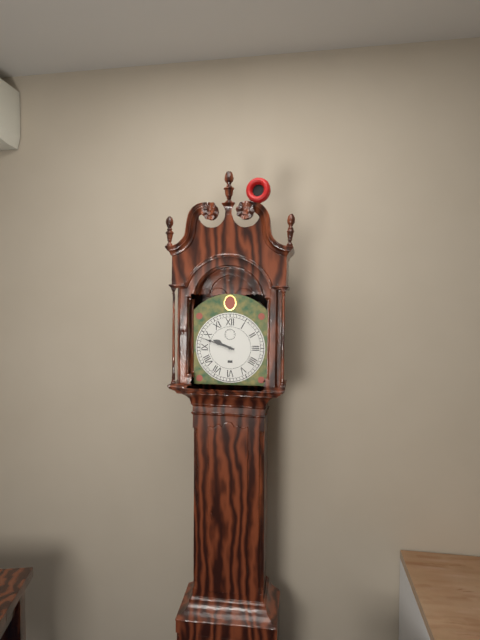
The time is 9h48
